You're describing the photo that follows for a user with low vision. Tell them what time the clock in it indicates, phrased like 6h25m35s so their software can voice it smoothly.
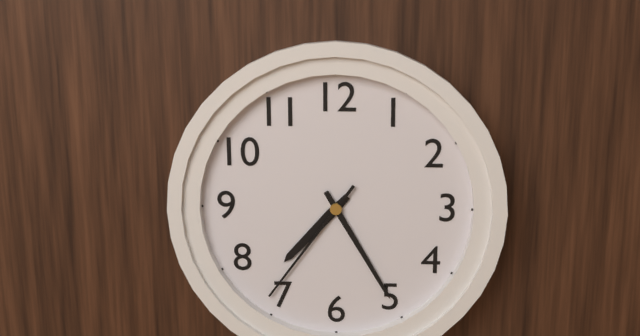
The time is 7h25m36s
